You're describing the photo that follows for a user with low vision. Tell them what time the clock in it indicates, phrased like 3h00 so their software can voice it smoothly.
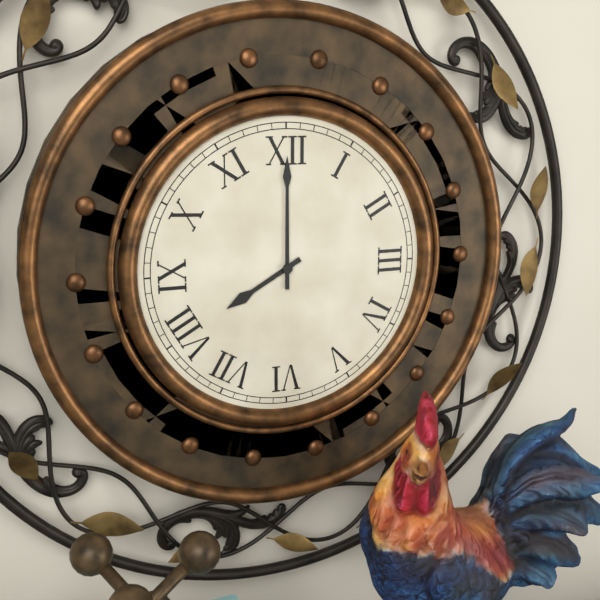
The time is 8h00
